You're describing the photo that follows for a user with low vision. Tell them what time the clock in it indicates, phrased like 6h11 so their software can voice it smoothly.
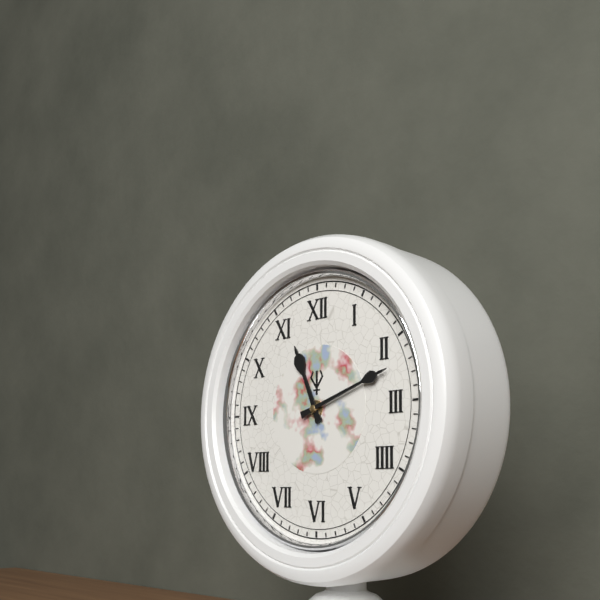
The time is 11h12
